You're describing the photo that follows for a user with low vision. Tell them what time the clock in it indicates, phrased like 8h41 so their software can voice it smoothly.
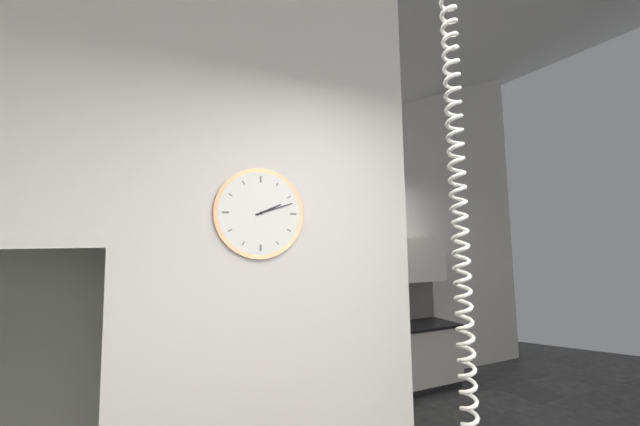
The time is 2h12
